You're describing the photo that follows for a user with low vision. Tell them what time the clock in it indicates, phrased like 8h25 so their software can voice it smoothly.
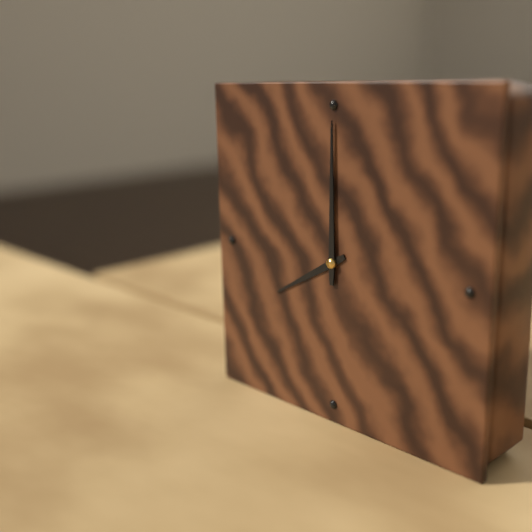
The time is 8h00
